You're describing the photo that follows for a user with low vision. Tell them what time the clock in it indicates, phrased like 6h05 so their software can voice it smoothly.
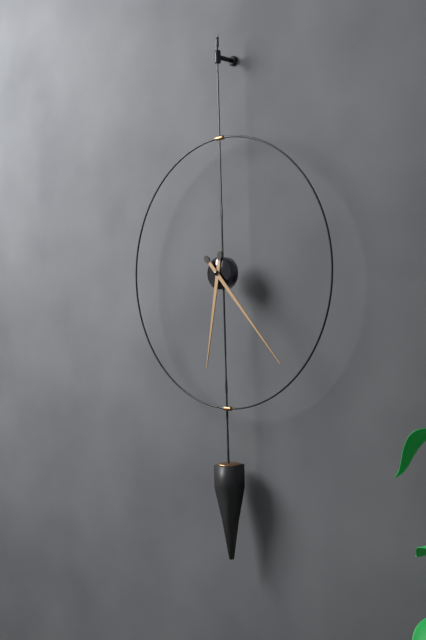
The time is 6h23
